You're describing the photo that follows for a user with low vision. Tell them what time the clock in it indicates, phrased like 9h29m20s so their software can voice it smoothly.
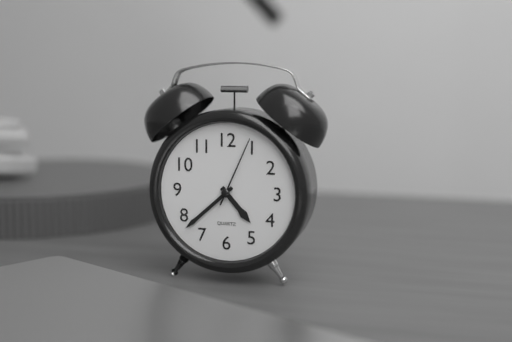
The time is 4h38m04s
